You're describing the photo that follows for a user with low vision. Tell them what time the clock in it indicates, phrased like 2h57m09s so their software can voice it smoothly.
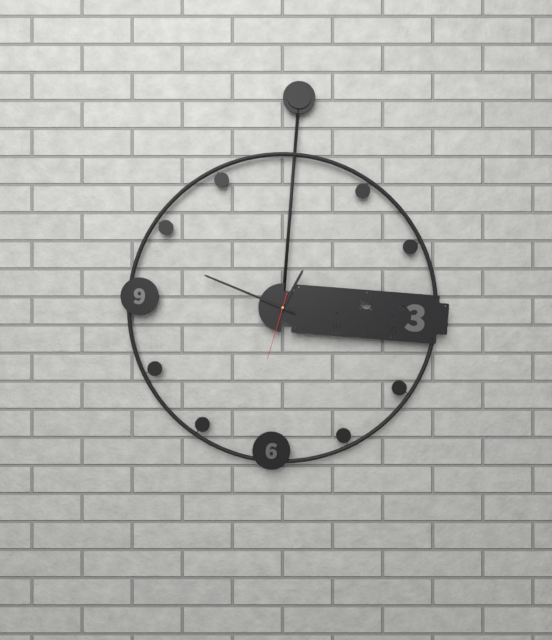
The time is 12h48m32s
